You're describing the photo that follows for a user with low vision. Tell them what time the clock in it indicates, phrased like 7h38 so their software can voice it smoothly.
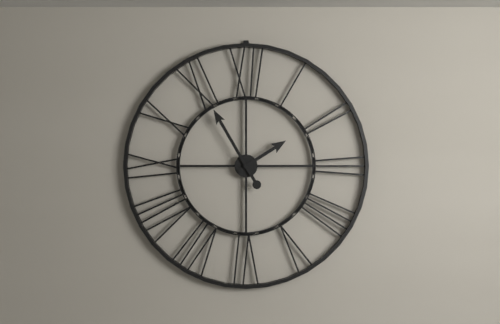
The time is 1h55
